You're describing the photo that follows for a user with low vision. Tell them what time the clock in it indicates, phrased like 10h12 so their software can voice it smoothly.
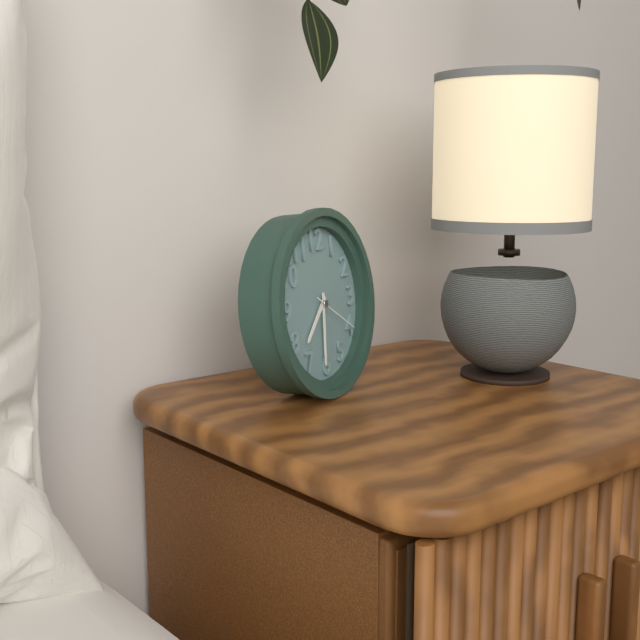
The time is 7h31
